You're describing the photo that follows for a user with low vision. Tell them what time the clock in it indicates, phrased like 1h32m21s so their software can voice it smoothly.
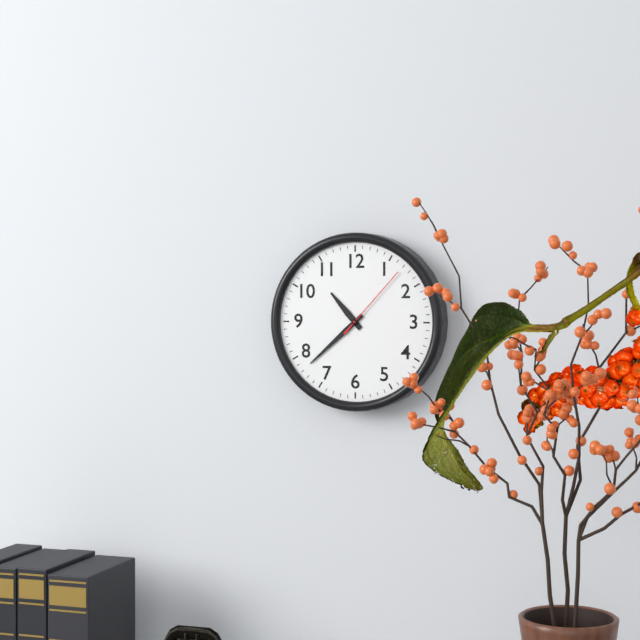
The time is 10h38m07s
